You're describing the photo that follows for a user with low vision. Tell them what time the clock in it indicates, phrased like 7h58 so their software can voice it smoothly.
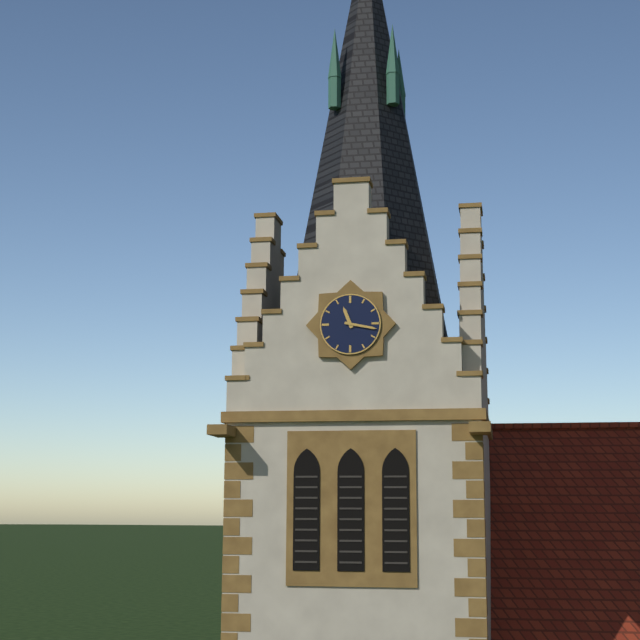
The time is 11h17
